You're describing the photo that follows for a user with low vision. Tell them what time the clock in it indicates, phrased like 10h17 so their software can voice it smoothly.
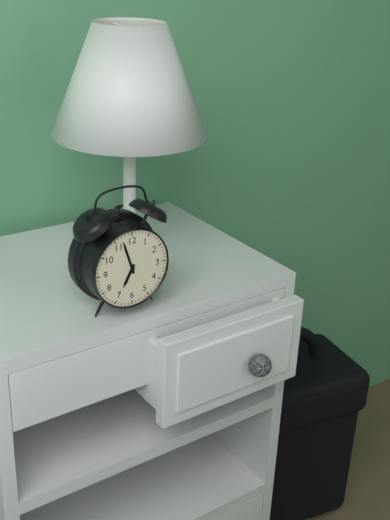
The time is 6h57
